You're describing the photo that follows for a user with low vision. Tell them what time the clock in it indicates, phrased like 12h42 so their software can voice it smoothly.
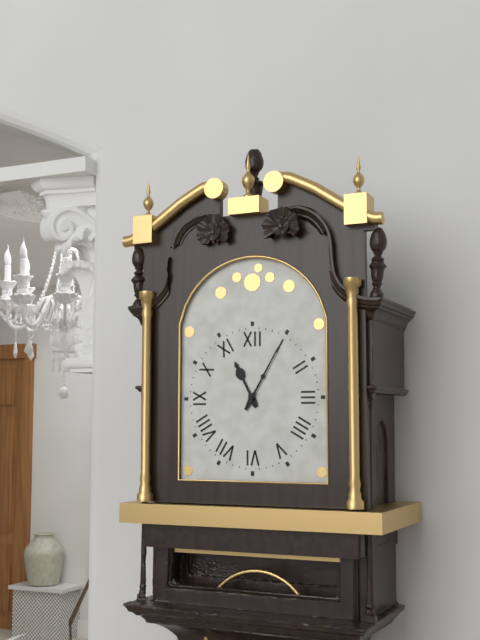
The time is 11h05
